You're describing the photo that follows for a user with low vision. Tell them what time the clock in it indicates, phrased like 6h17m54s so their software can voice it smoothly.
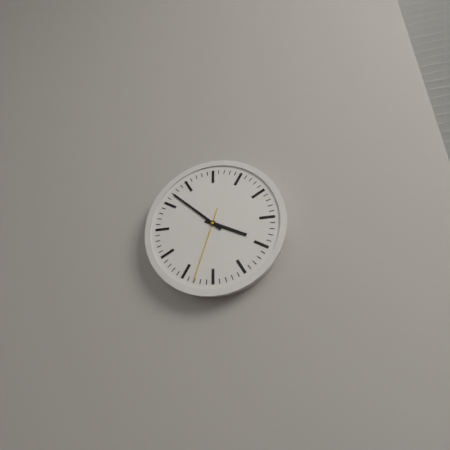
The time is 3h52m33s
